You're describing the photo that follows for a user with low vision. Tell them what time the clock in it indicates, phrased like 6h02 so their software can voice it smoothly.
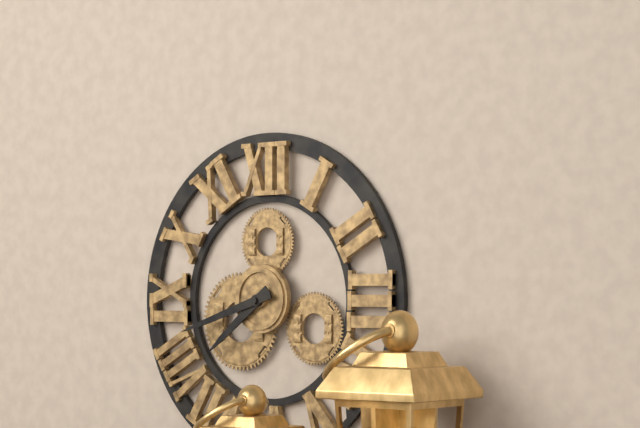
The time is 7h42
